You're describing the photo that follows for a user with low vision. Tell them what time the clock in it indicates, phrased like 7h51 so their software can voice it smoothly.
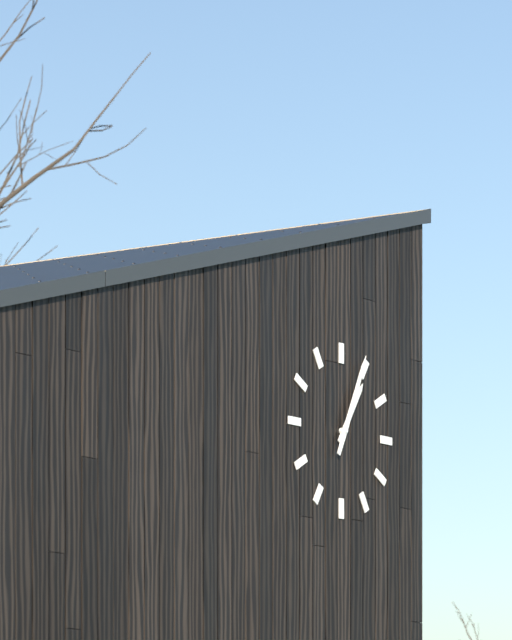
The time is 1h04
